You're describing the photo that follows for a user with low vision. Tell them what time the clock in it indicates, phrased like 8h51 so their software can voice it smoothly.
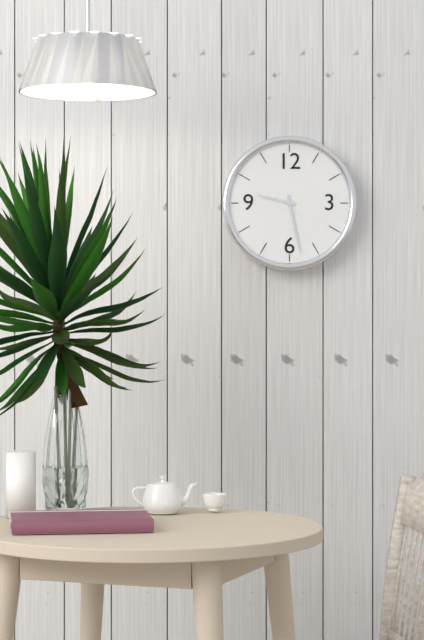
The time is 9h28
